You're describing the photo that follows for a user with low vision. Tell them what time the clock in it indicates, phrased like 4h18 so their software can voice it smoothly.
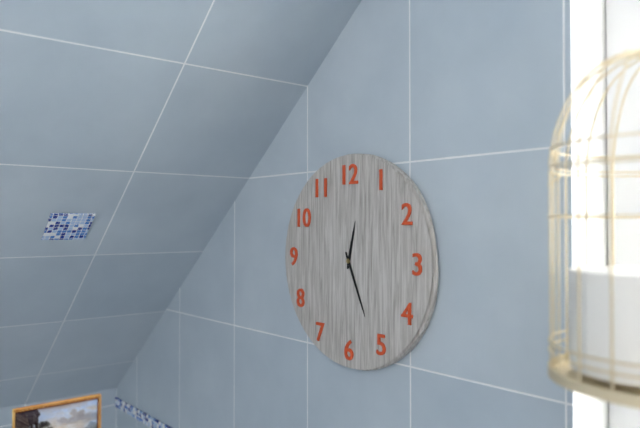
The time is 12h26
